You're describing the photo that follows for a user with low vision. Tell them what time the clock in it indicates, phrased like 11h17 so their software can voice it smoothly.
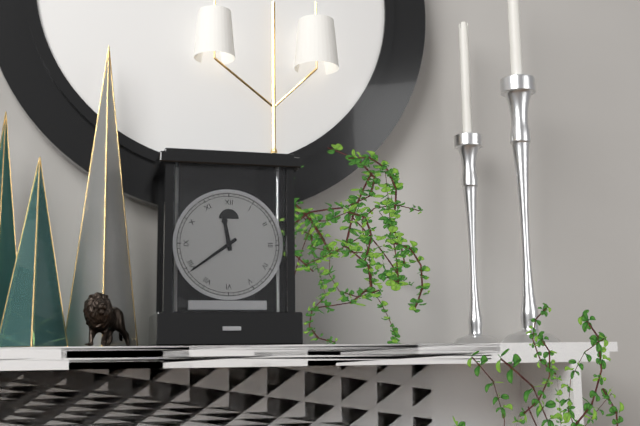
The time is 11h39
